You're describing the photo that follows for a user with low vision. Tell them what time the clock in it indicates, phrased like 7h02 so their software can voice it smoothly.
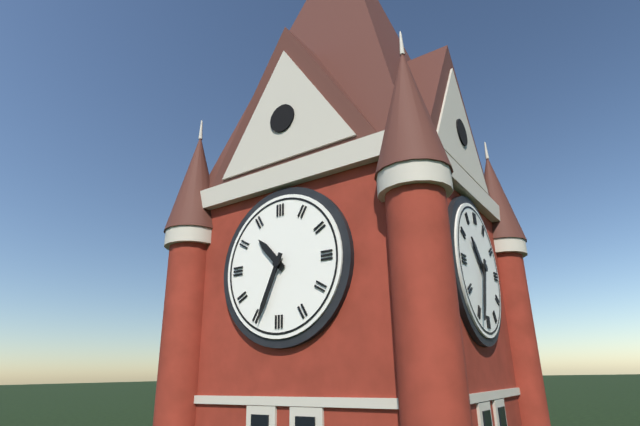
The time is 10h34
